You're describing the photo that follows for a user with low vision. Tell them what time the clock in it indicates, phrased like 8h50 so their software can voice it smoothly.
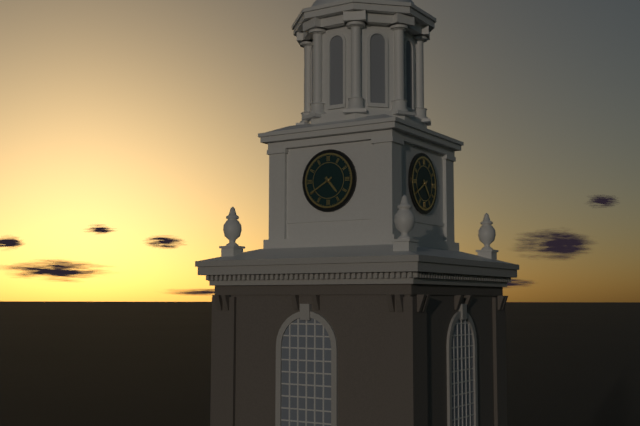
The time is 4h40
